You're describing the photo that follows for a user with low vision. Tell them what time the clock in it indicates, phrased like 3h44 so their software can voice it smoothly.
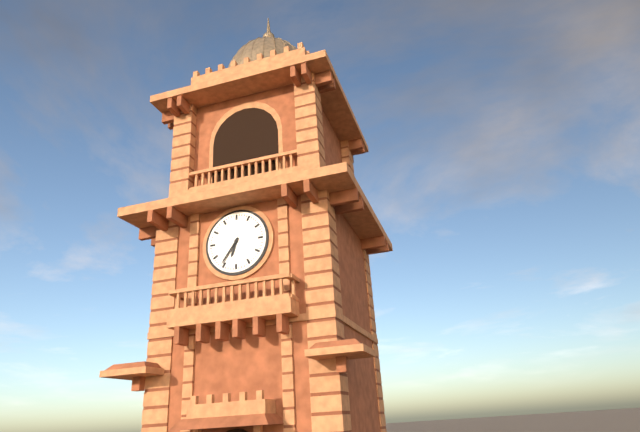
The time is 6h36
